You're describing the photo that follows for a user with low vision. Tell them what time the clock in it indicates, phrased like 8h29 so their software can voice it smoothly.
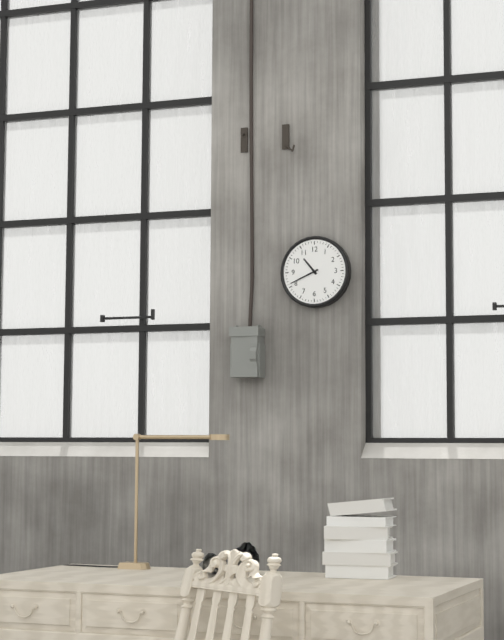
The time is 10h41
